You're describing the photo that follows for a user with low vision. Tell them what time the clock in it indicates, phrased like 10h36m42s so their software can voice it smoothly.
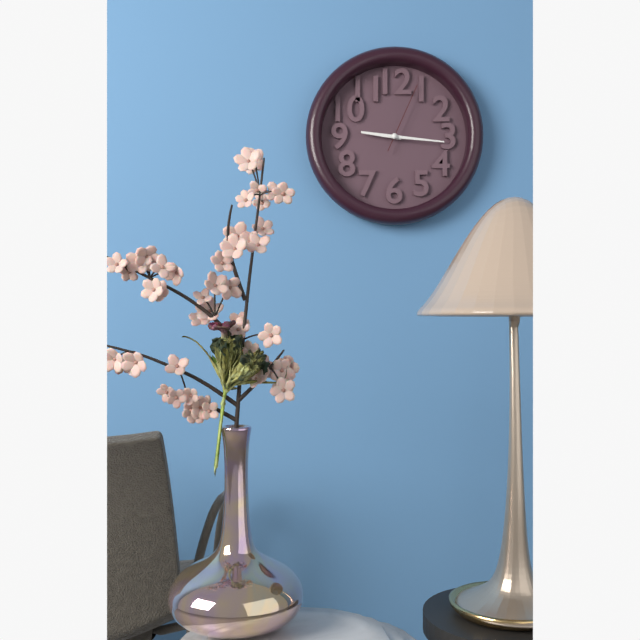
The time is 9h16m04s
